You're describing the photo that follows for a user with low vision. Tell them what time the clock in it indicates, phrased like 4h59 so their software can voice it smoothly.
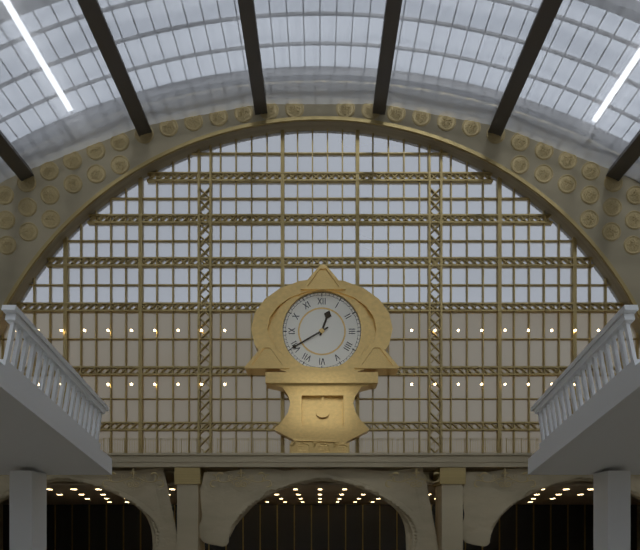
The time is 12h40
